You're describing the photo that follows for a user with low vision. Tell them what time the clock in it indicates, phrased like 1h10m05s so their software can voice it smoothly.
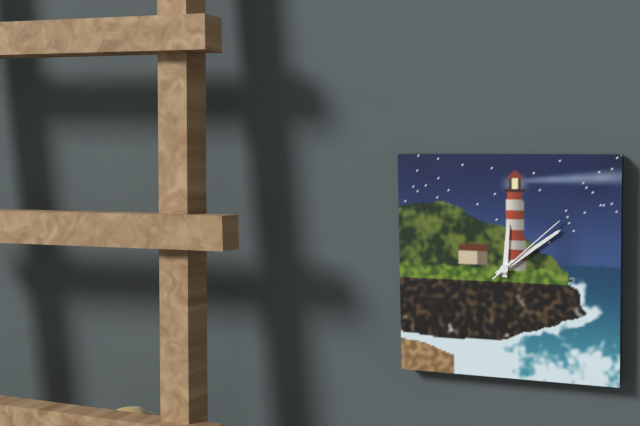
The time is 12h09m08s
